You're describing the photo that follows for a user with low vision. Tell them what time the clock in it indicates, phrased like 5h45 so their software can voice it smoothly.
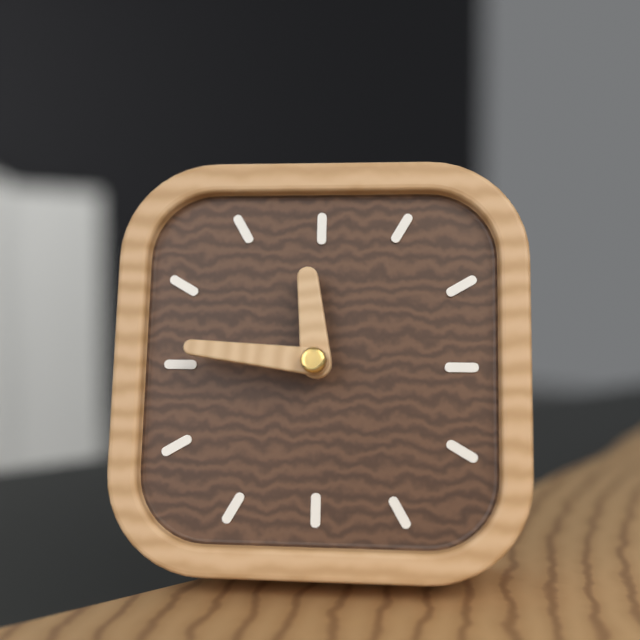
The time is 11h46
